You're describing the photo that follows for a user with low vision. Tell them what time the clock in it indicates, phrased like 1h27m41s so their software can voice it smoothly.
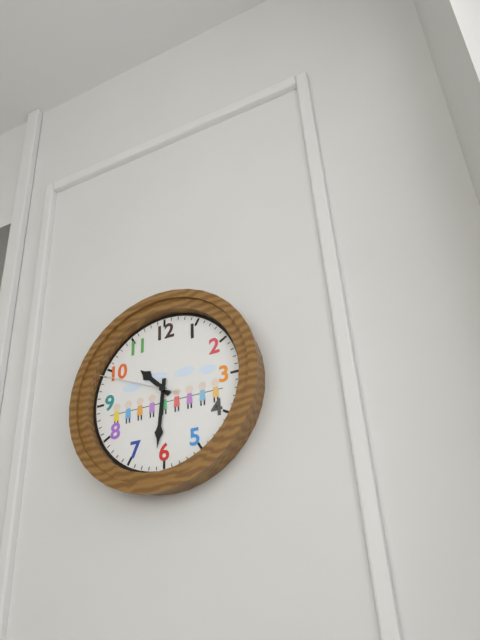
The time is 10h31m49s
